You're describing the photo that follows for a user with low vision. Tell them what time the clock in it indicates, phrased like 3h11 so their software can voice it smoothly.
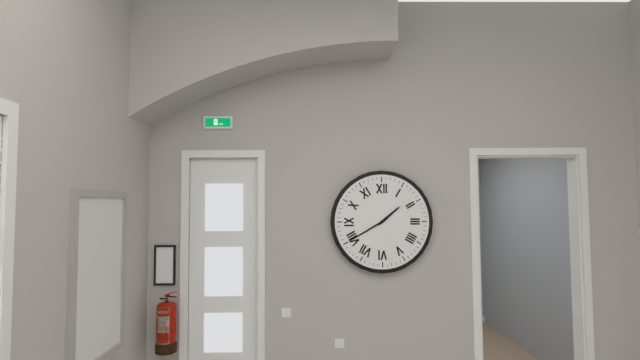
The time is 1h40
